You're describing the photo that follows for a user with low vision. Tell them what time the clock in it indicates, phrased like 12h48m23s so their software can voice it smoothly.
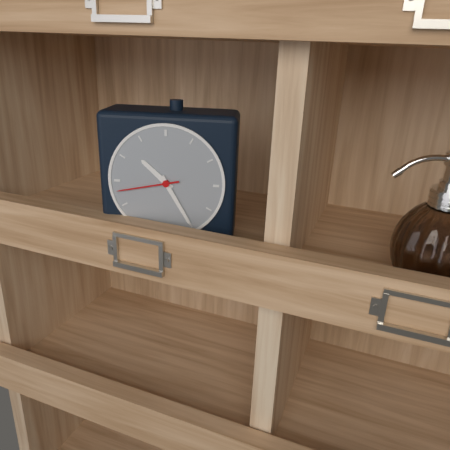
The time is 10h25m43s
